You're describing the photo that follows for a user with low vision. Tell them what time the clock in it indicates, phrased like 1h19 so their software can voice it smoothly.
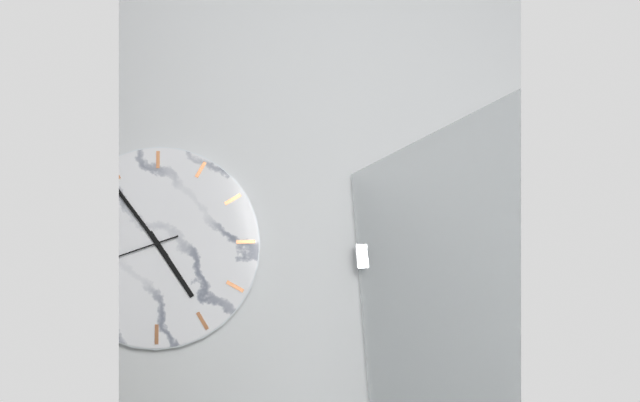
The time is 4h54
